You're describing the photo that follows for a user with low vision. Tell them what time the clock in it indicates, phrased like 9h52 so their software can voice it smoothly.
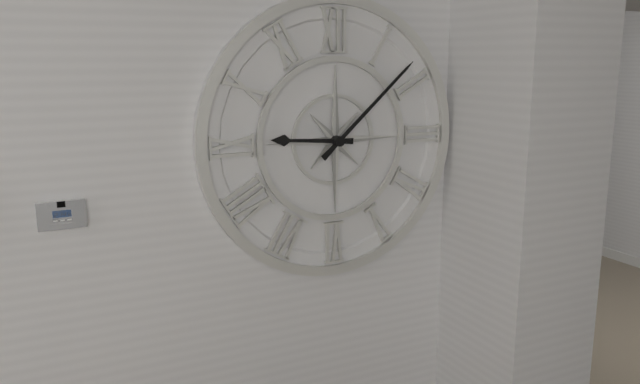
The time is 9h08
